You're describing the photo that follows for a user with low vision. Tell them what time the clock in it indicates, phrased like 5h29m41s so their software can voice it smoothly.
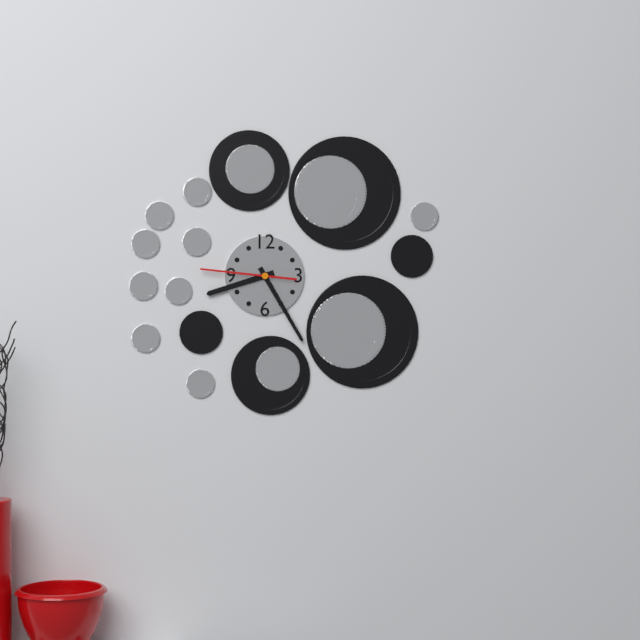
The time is 8h25m46s
